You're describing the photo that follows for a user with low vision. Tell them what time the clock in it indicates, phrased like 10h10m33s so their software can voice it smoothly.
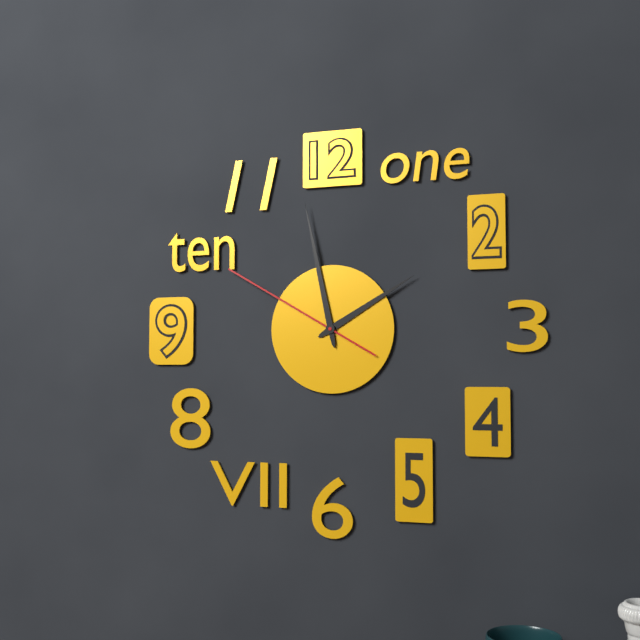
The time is 1h58m50s
